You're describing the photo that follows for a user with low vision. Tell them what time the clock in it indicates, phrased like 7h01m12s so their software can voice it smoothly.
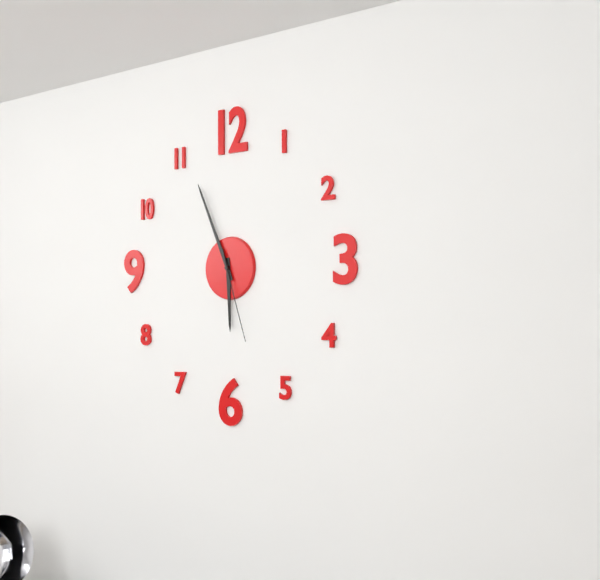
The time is 5h56m27s
